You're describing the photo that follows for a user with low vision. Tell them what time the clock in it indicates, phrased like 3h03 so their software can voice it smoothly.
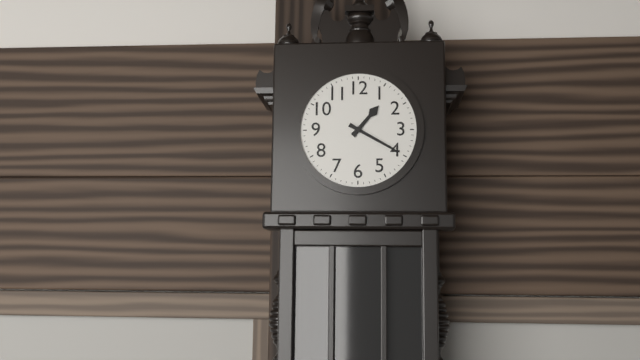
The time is 1h20
